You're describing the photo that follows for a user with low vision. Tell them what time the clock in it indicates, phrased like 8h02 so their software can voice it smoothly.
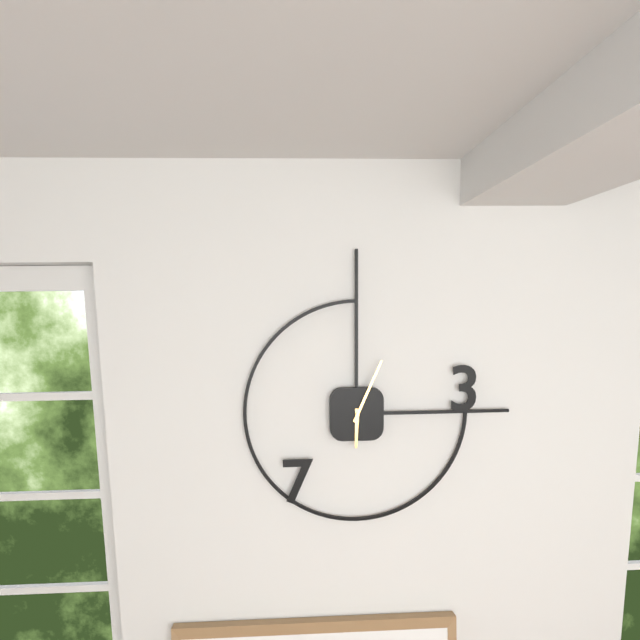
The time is 6h04
